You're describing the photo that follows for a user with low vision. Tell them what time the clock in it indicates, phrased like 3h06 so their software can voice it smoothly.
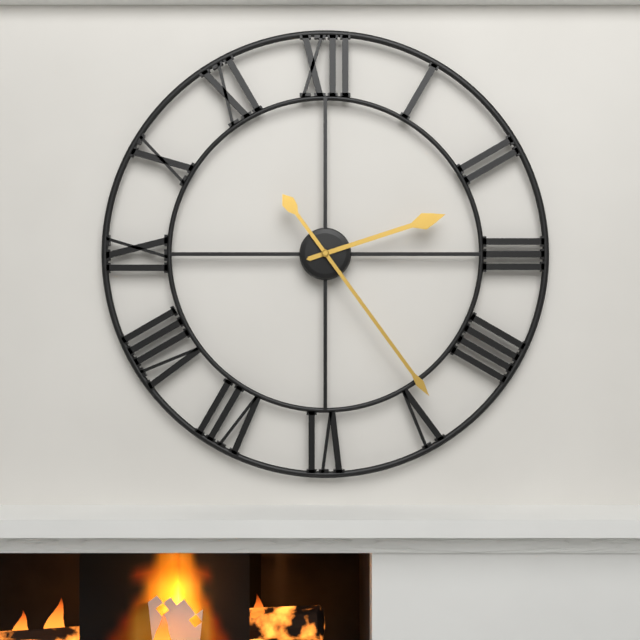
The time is 2h24
